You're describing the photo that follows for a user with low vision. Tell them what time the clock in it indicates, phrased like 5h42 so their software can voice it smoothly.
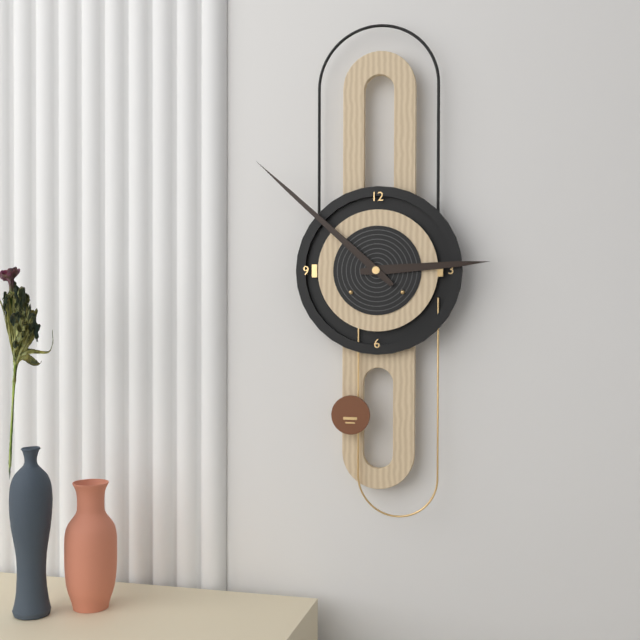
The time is 2h52
